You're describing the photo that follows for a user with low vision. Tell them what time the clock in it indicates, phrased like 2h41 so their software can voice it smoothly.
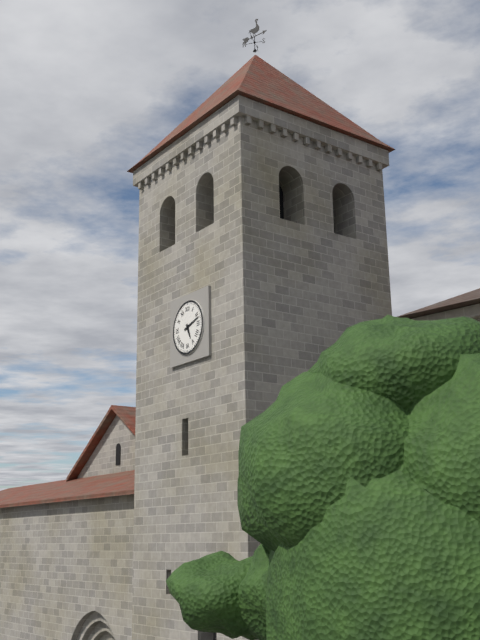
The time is 5h12
